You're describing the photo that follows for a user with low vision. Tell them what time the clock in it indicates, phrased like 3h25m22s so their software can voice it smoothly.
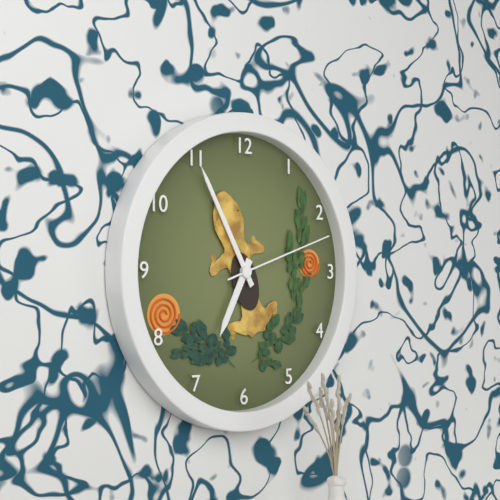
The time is 6h55m12s
